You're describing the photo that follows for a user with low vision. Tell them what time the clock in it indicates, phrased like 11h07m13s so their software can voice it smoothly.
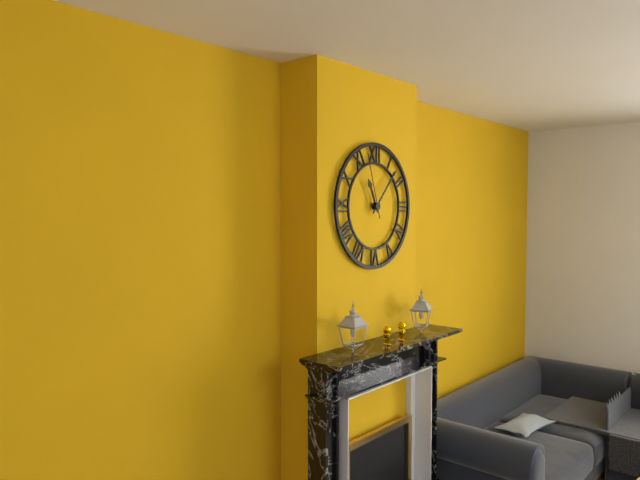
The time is 11h07m57s
